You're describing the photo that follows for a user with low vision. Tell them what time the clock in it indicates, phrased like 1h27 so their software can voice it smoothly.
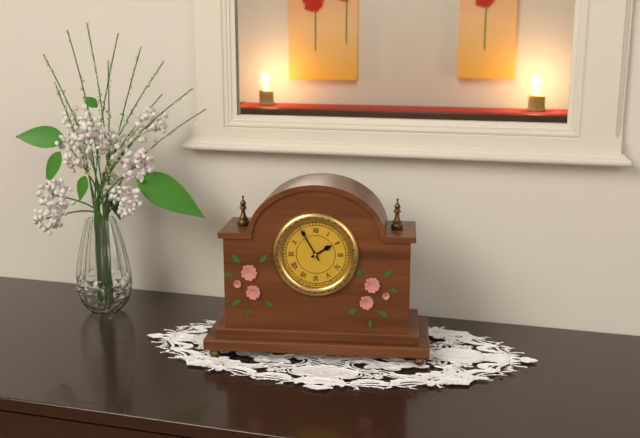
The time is 1h55
